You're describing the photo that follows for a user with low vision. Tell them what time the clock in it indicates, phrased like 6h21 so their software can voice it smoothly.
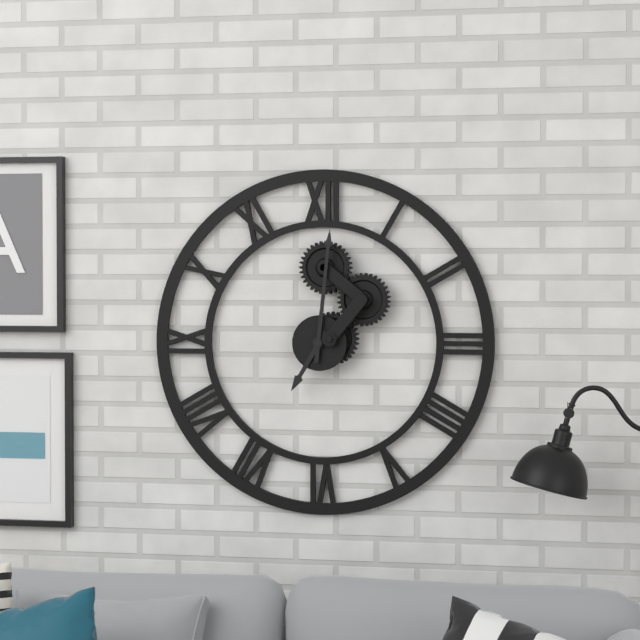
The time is 7h01
